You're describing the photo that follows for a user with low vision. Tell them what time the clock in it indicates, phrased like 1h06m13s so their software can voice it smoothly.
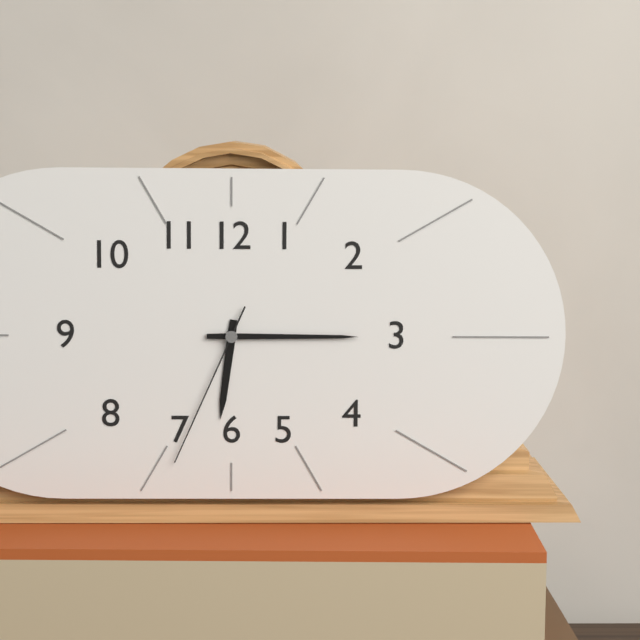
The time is 6h15m34s
